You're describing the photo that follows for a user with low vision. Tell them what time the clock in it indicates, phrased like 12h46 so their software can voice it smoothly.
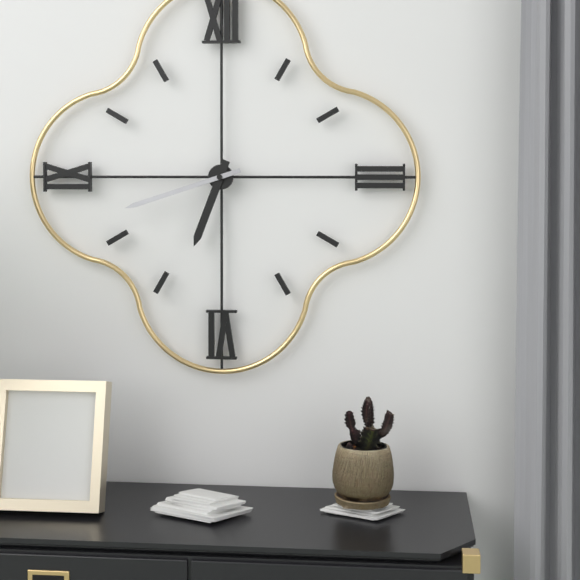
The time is 6h42
